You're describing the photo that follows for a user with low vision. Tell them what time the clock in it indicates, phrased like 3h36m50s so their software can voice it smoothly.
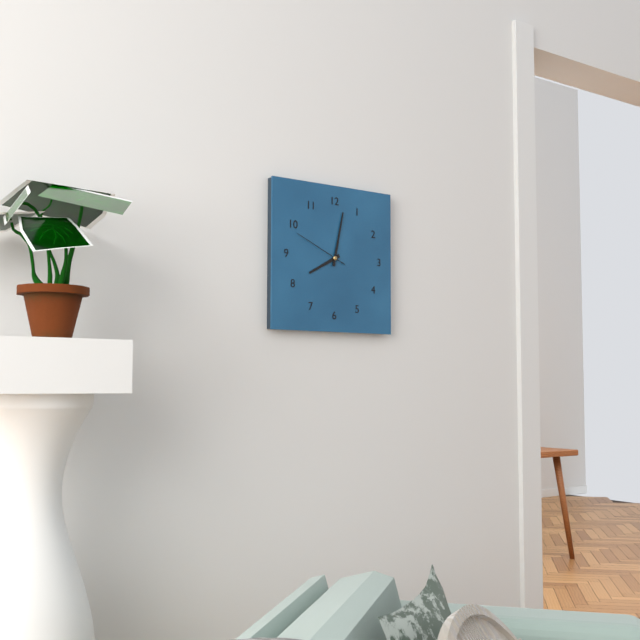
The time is 8h02m49s
